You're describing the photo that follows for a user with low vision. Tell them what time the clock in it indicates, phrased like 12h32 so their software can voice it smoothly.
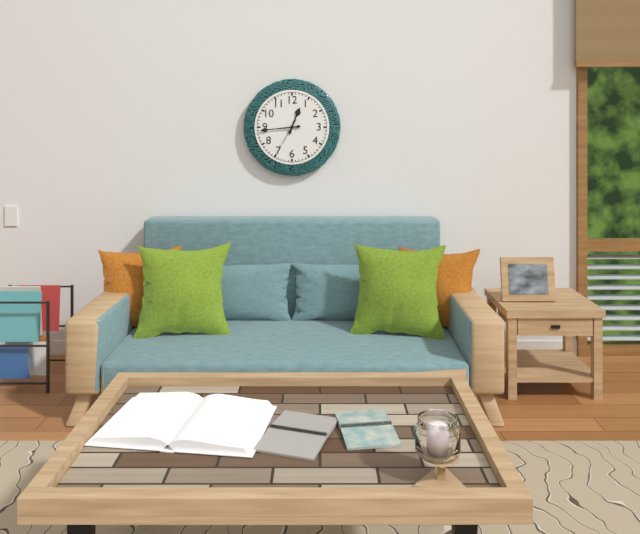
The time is 12h44
